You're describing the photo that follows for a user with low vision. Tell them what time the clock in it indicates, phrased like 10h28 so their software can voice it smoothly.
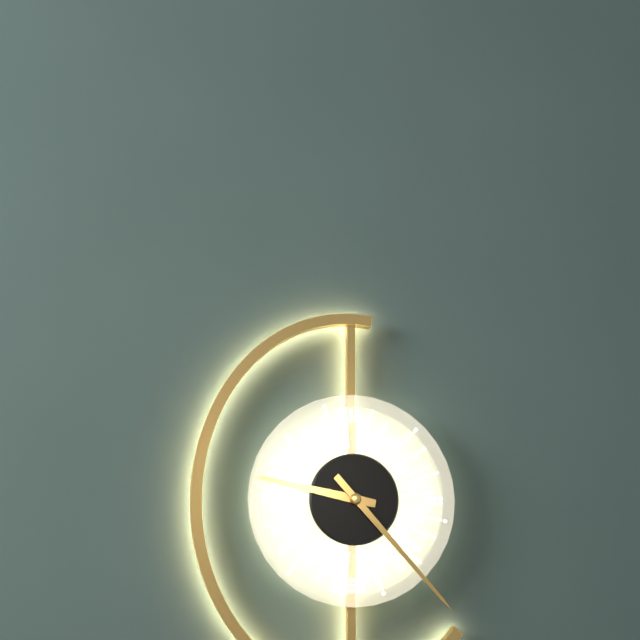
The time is 9h23
